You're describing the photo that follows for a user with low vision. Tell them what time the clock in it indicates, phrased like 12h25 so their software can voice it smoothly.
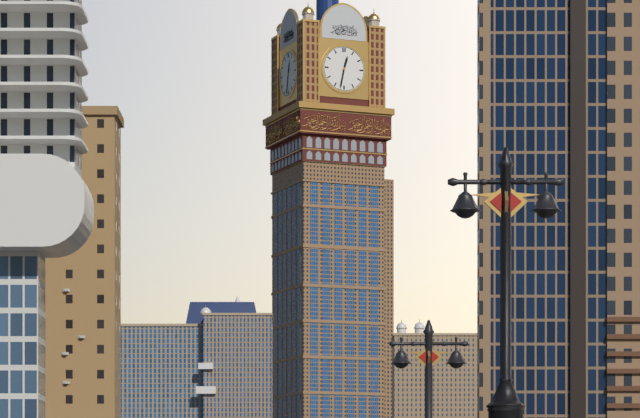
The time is 12h32
